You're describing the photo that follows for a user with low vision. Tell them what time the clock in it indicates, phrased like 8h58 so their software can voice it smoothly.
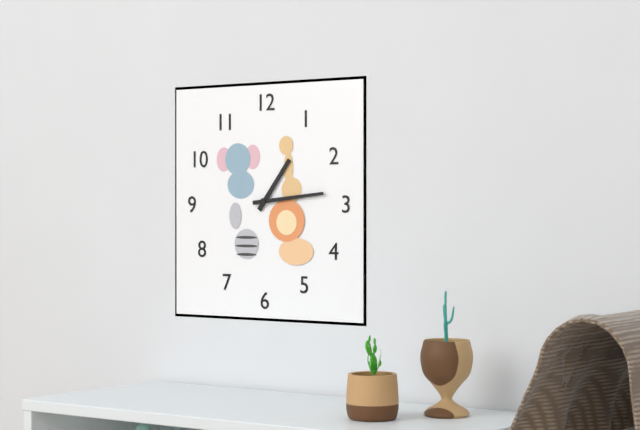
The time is 1h14
